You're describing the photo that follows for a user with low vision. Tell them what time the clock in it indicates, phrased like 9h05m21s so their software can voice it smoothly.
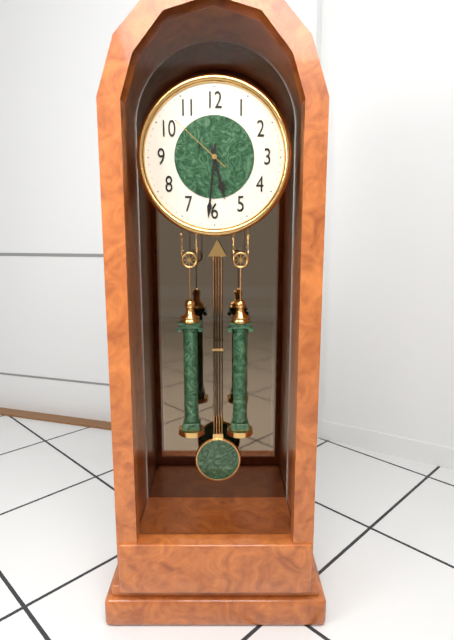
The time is 5h31m52s
